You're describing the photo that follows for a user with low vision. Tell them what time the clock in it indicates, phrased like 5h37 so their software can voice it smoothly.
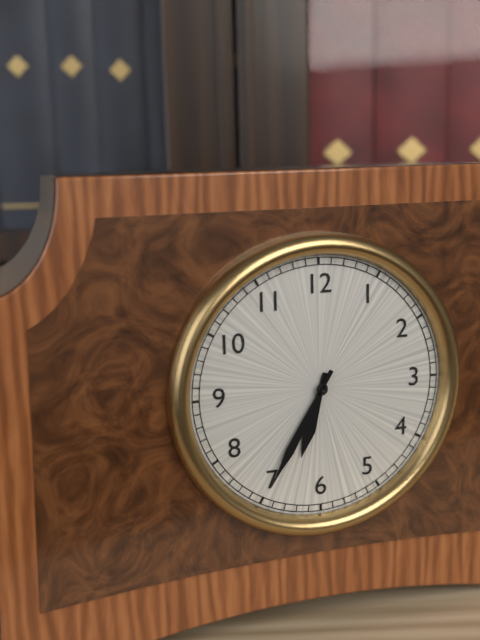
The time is 6h35
